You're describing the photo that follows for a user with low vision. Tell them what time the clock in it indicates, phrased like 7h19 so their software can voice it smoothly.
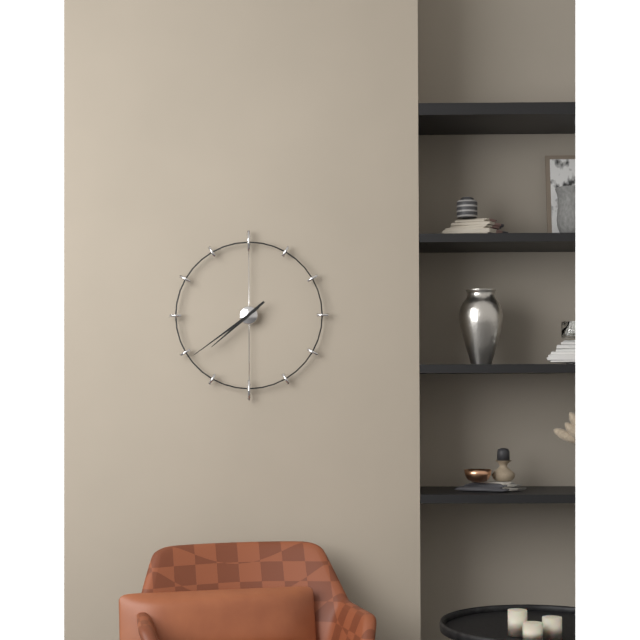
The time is 7h39
